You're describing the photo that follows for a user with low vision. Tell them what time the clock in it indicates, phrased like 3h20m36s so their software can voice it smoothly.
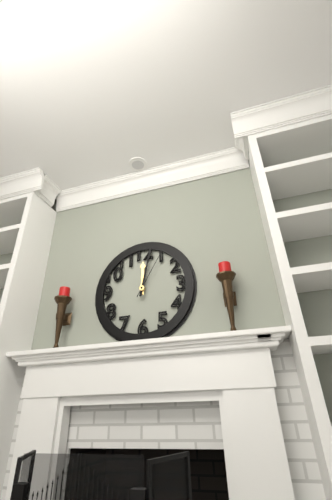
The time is 12h02m05s
